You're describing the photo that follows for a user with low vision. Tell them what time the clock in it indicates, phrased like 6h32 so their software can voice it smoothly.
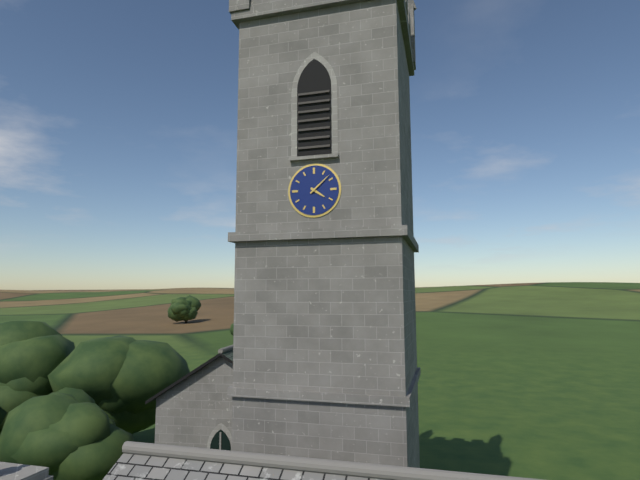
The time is 4h08
